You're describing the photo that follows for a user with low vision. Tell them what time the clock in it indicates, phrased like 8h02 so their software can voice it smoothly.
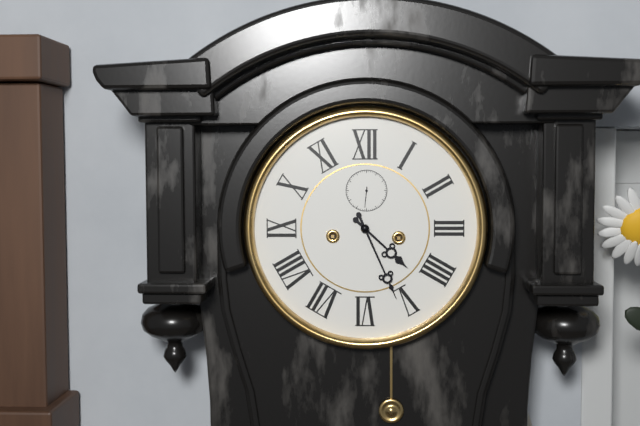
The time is 4h26
